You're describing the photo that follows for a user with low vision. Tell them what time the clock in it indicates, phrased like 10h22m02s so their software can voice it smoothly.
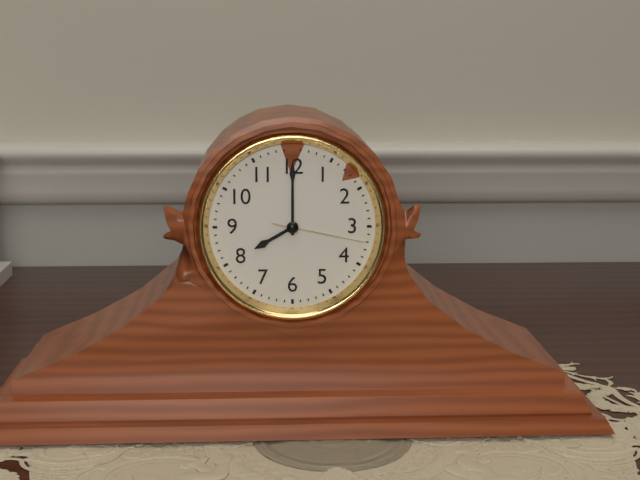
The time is 8h00m17s
